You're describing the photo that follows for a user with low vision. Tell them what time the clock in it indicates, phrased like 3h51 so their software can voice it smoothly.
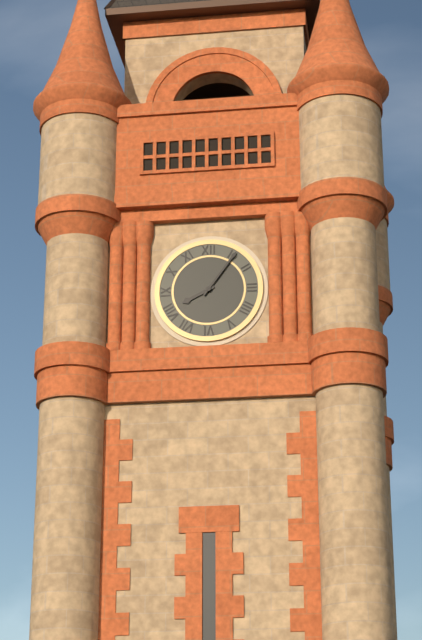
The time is 8h06
